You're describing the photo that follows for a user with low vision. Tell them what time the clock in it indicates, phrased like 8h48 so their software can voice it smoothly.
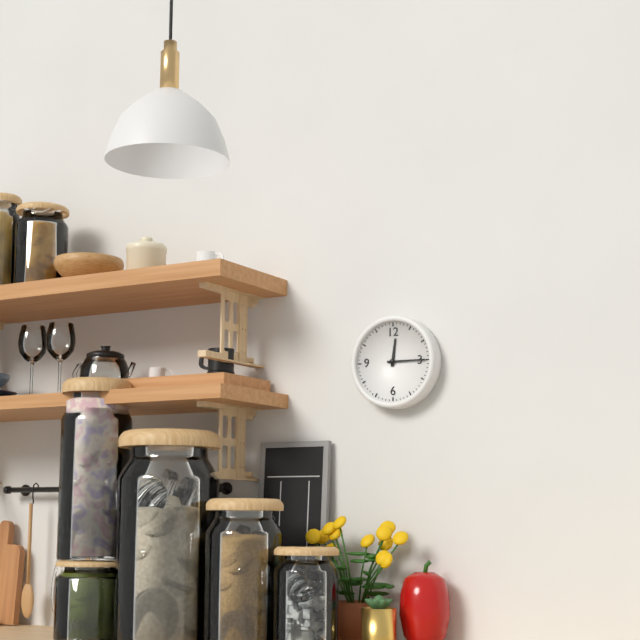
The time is 12h15
